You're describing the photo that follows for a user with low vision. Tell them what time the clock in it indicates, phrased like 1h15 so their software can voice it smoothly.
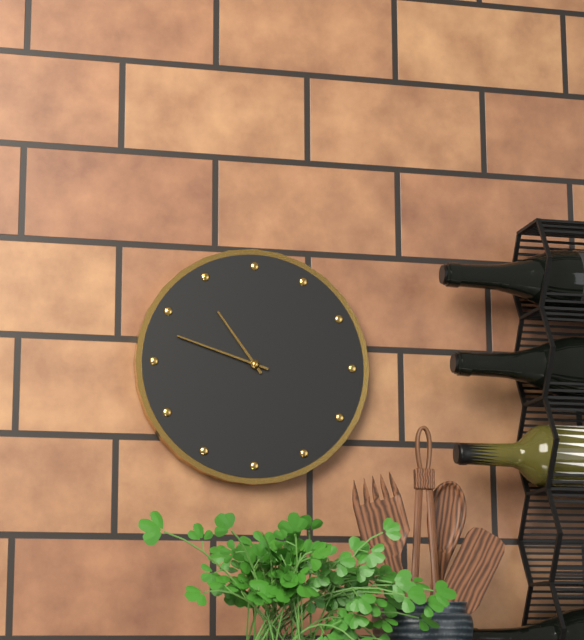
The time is 10h48
